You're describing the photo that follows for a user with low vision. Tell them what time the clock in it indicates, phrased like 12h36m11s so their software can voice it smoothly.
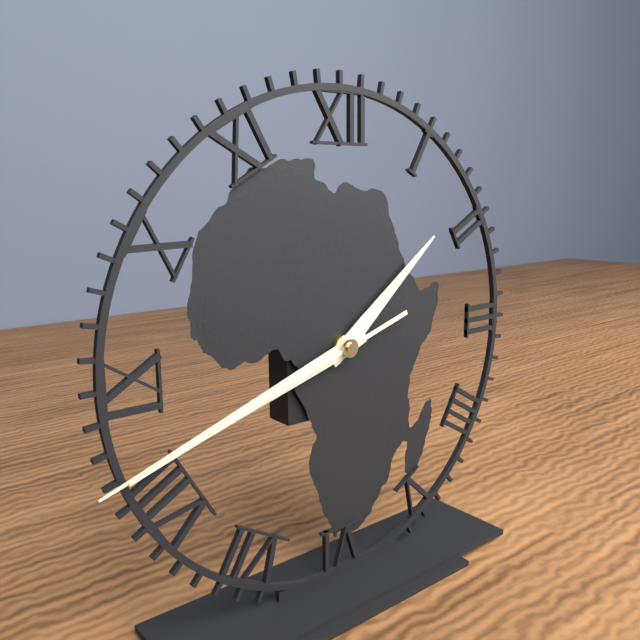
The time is 1h42m42s
